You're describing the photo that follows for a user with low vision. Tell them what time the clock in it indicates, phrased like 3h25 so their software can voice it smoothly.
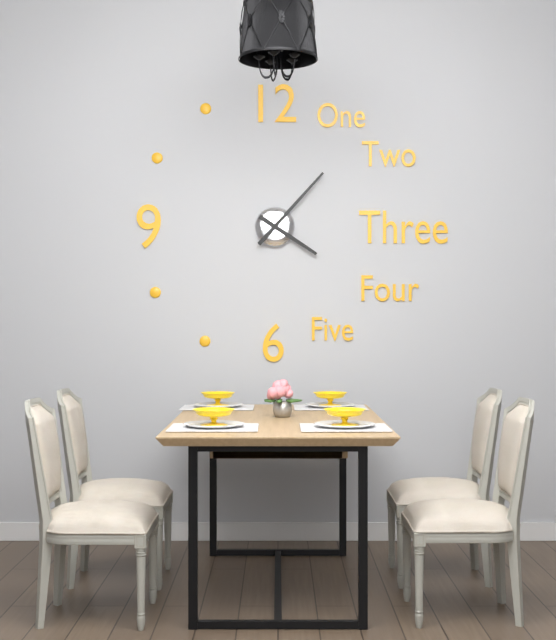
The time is 4h07
